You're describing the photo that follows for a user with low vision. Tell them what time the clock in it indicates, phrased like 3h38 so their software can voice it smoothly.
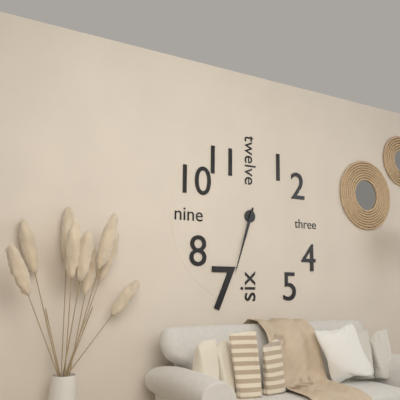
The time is 6h33
